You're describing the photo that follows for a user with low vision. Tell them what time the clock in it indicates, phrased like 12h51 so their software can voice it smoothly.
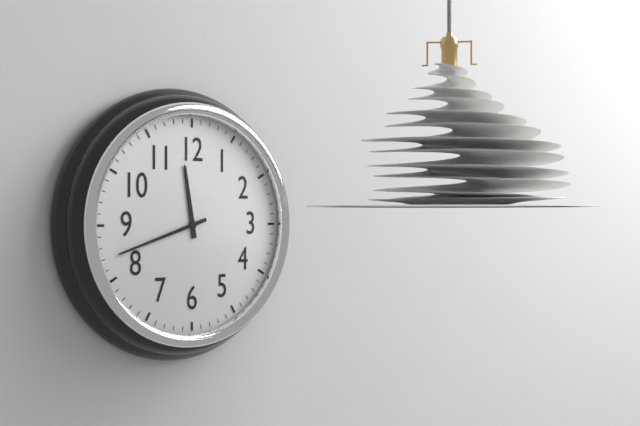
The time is 11h42
